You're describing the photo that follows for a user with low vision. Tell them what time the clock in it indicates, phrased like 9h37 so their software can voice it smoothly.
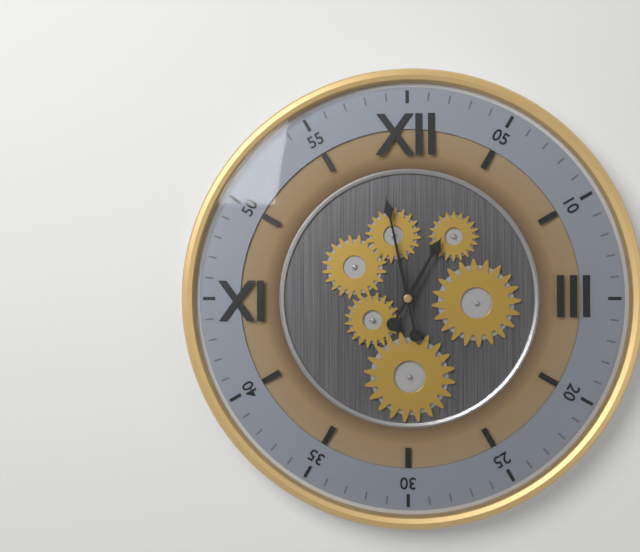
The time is 12h58
